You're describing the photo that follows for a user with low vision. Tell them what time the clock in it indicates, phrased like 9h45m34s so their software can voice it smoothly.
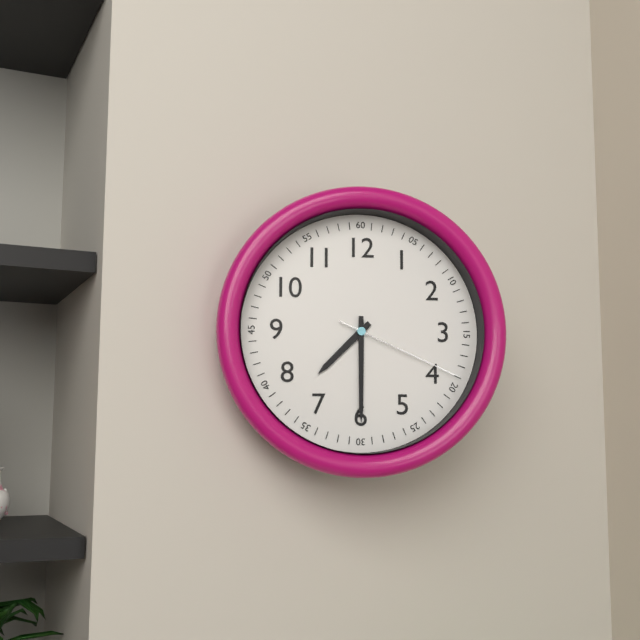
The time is 7h30m19s
